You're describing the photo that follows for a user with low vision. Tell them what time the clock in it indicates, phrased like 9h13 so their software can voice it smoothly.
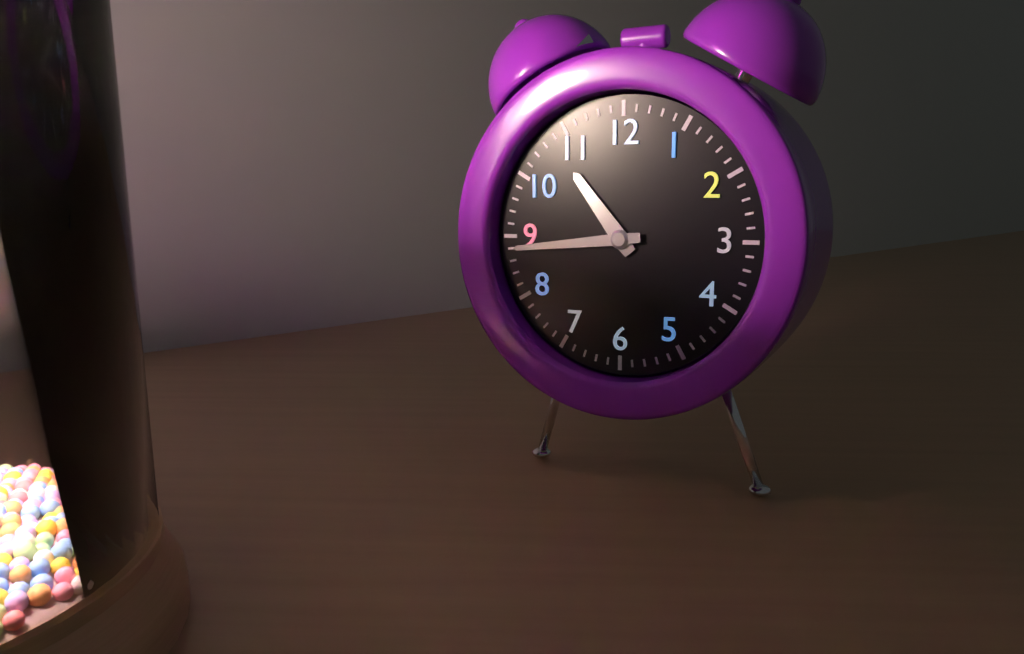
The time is 10h44
